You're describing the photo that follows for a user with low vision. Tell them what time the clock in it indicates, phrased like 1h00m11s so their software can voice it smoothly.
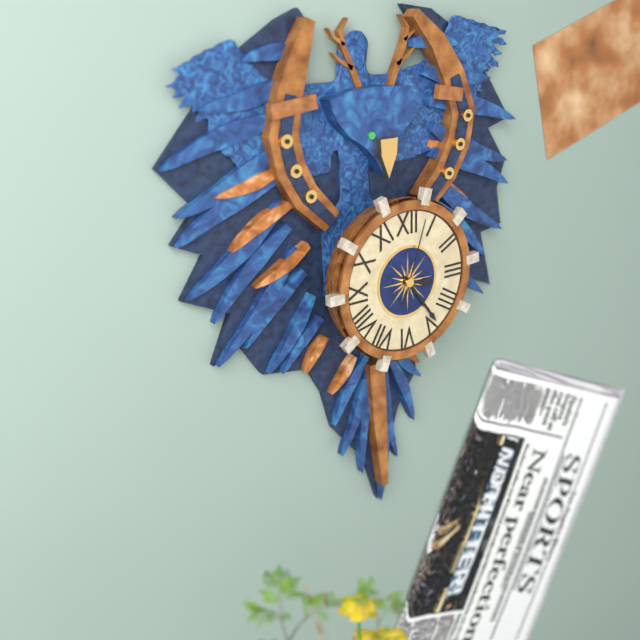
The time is 3h24m03s
